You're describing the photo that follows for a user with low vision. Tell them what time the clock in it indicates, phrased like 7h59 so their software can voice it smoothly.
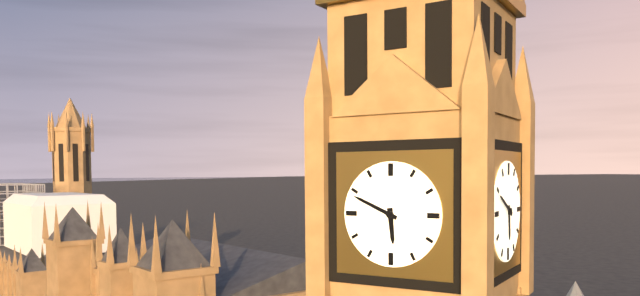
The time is 5h49
